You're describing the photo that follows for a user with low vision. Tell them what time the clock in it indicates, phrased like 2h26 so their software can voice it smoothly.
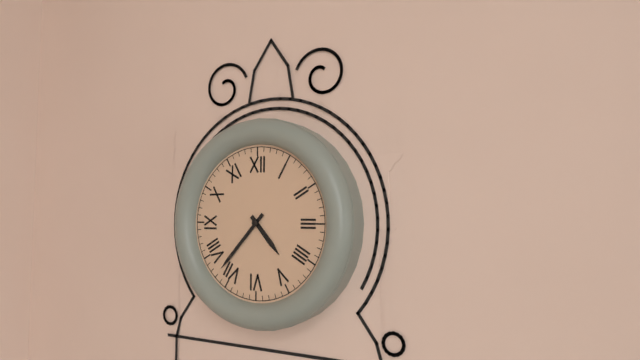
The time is 4h37
